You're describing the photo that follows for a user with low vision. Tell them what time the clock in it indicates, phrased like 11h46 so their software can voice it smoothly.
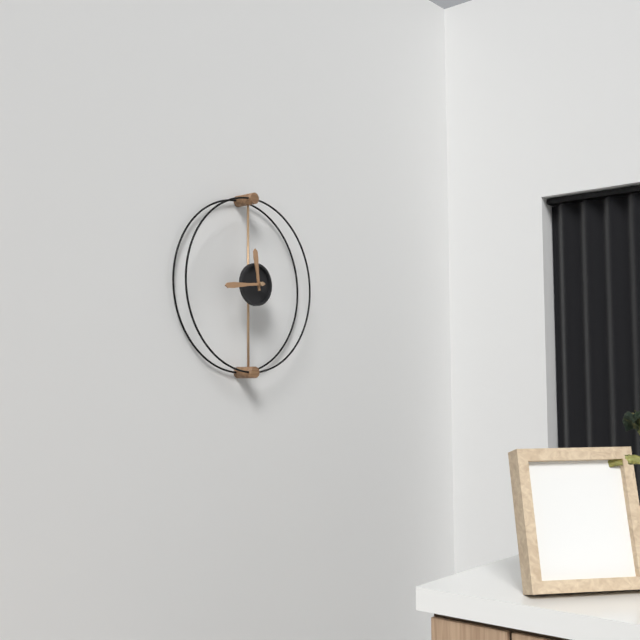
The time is 11h44
